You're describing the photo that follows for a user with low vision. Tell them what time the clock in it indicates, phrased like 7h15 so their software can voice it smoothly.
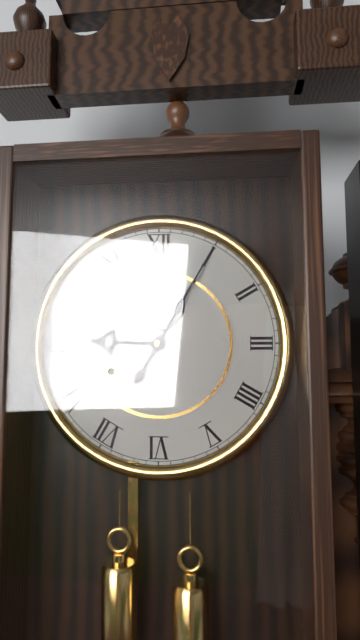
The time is 9h05
